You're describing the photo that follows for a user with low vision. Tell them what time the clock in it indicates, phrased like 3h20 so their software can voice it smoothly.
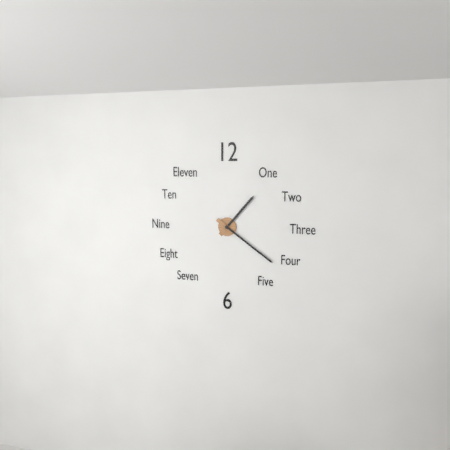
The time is 1h21
